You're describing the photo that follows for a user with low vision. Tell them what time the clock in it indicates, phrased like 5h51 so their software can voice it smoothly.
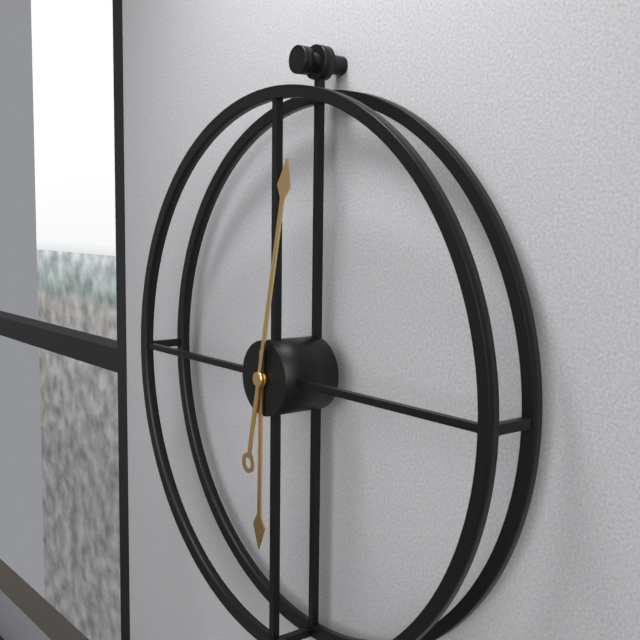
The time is 6h02
